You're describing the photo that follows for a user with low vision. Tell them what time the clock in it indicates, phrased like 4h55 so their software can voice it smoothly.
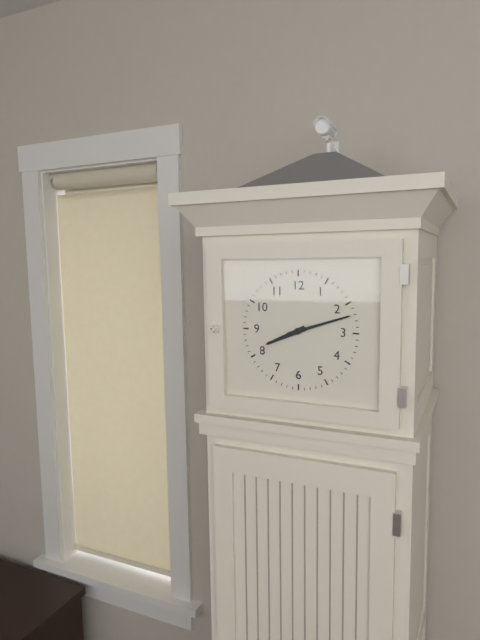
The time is 8h12
